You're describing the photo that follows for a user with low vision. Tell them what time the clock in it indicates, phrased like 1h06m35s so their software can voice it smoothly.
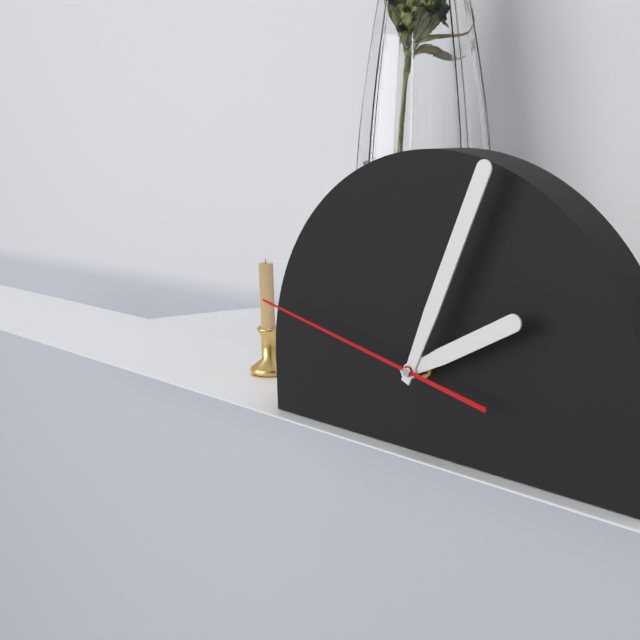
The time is 2h04m47s
